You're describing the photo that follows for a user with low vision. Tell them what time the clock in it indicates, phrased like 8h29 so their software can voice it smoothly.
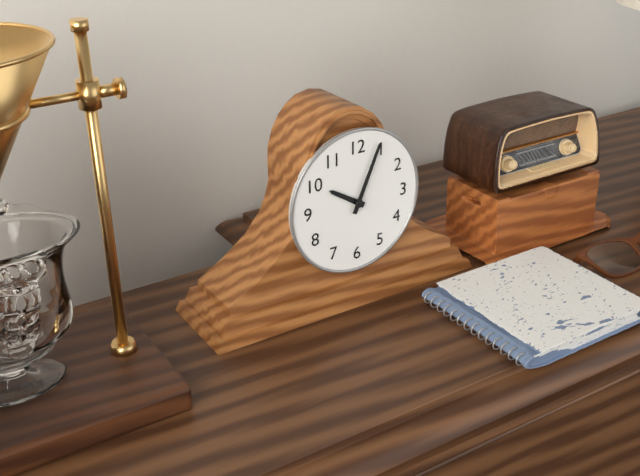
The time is 10h04
